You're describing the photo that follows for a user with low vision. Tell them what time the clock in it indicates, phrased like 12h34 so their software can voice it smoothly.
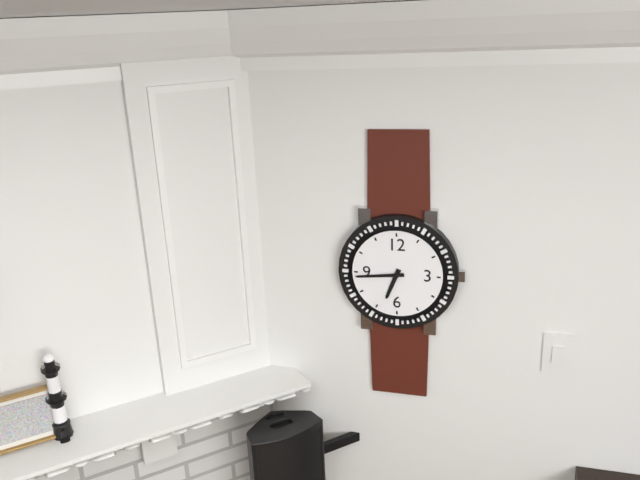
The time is 6h44
